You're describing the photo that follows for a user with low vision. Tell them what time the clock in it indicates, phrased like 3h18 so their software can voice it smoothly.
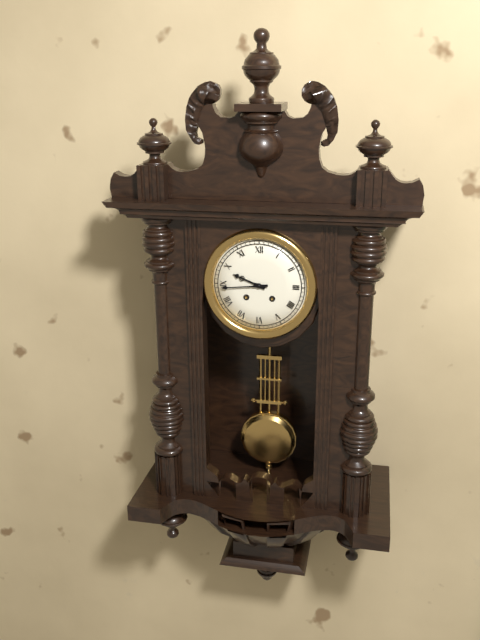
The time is 9h44
